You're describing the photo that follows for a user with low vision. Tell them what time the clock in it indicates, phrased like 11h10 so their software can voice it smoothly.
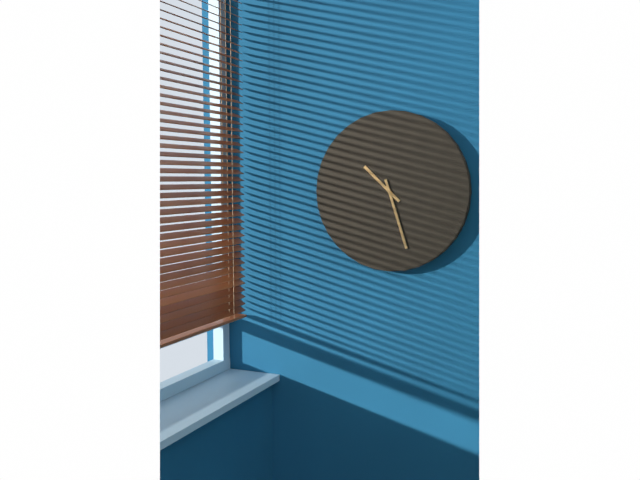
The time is 10h27
